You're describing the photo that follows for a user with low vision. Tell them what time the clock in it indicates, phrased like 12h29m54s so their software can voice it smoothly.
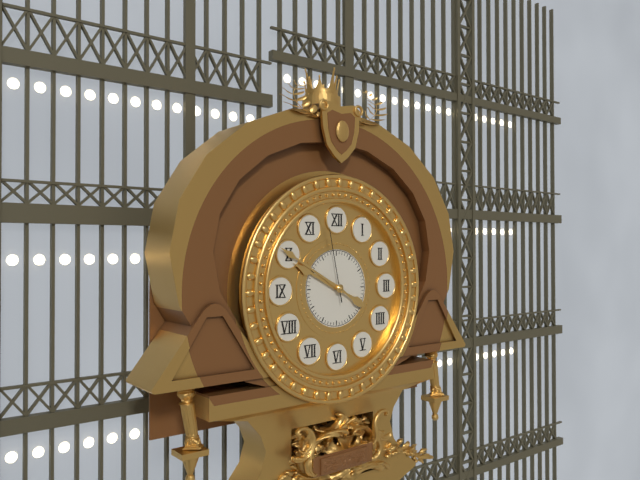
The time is 9h50m58s
